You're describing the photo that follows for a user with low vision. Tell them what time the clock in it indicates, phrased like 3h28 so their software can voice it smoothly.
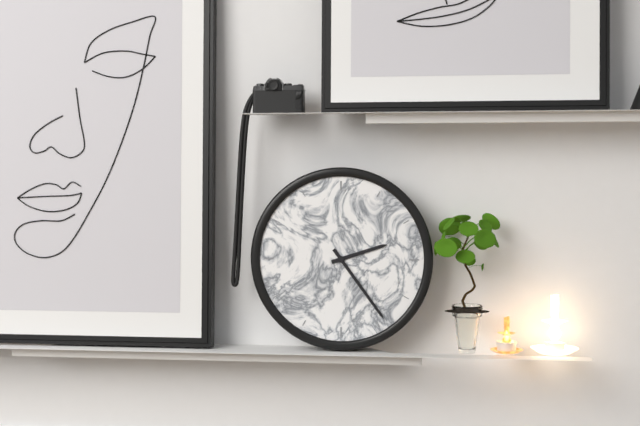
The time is 2h24
